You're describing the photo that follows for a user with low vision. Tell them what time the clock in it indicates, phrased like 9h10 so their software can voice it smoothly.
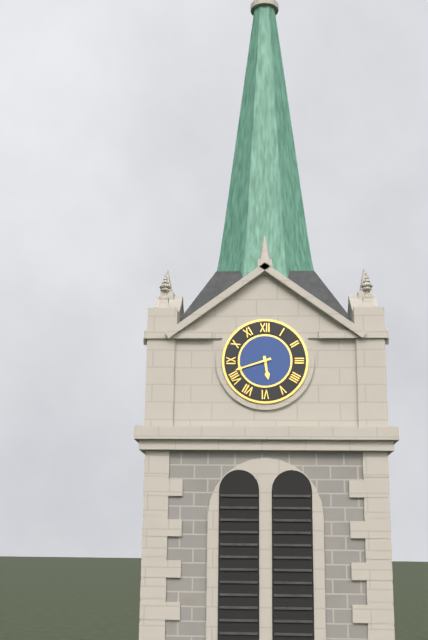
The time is 5h42
